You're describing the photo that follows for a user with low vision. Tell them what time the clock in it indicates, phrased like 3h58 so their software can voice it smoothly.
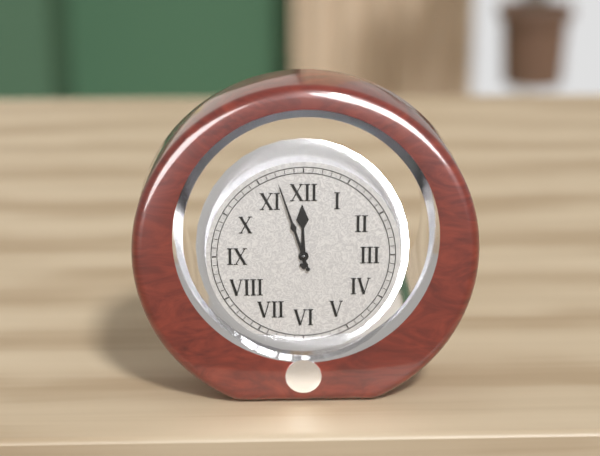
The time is 11h57
